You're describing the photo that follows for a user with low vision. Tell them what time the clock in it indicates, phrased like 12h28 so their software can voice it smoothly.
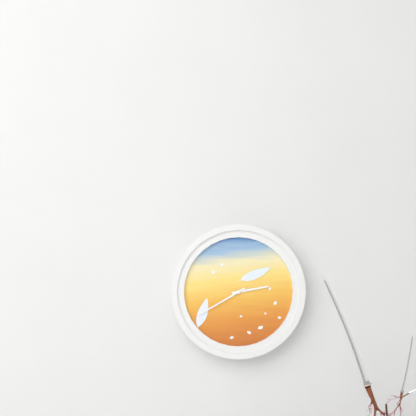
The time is 2h40
